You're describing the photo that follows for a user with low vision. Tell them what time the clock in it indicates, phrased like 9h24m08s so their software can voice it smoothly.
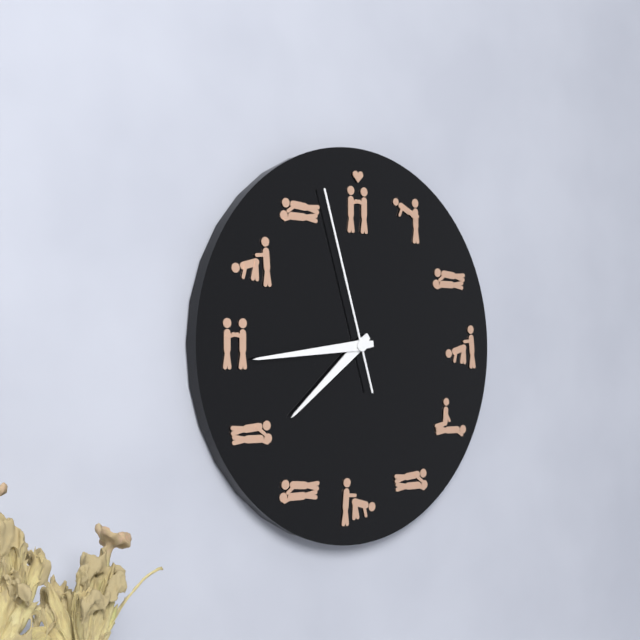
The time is 7h44m57s
